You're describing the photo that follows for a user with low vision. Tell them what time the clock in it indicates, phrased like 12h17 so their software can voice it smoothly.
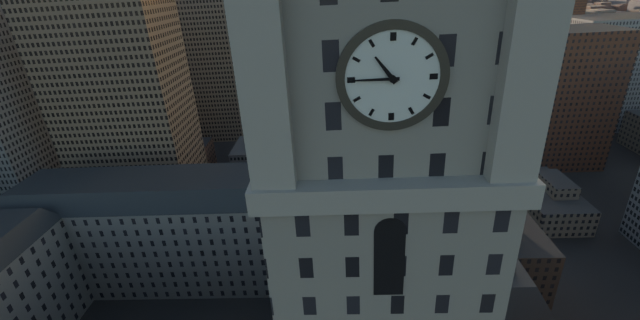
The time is 10h45
